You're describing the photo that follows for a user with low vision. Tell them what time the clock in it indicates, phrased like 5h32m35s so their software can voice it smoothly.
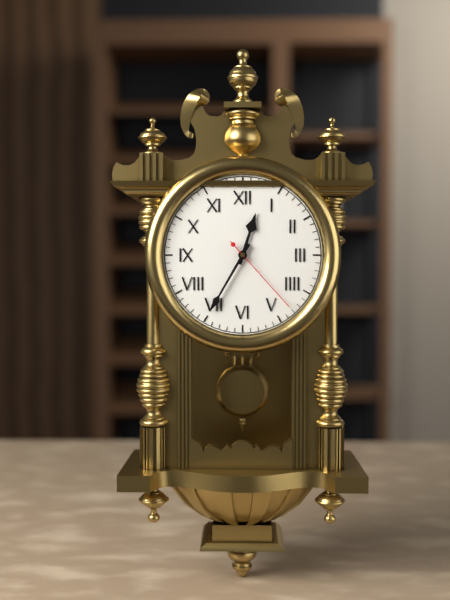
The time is 12h35m23s
